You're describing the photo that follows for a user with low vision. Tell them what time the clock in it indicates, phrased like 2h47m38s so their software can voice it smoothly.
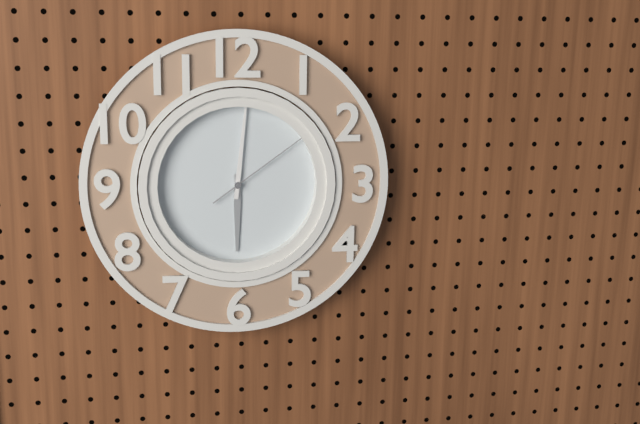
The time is 6h01m09s
